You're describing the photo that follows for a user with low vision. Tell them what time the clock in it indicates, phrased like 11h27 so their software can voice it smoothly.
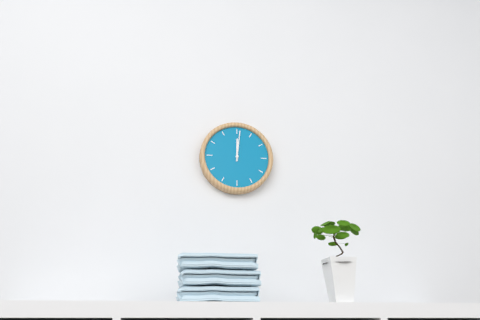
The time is 12h01
